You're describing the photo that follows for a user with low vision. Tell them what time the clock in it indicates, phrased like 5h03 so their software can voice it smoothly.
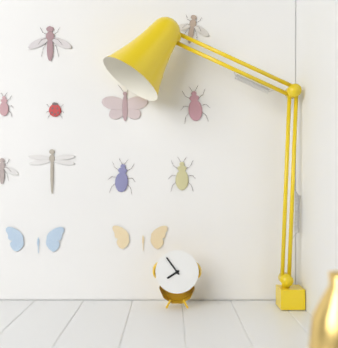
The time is 7h54
